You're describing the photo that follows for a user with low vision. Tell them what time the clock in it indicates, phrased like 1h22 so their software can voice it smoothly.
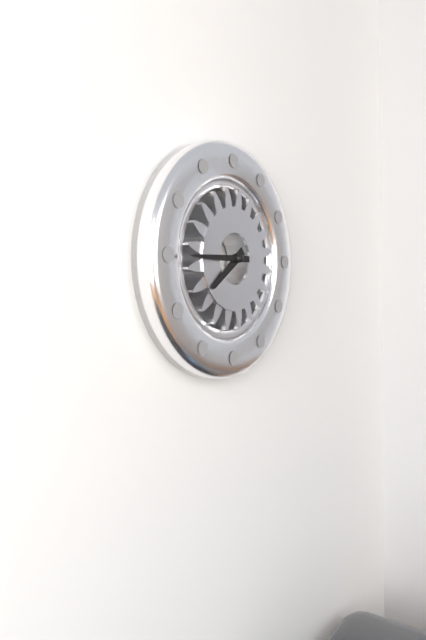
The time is 7h45
